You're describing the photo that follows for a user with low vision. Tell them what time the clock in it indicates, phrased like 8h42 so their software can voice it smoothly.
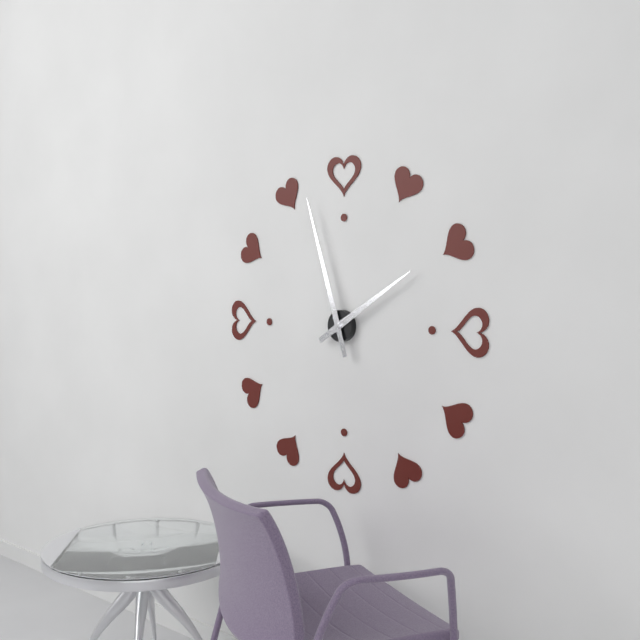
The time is 1h57
